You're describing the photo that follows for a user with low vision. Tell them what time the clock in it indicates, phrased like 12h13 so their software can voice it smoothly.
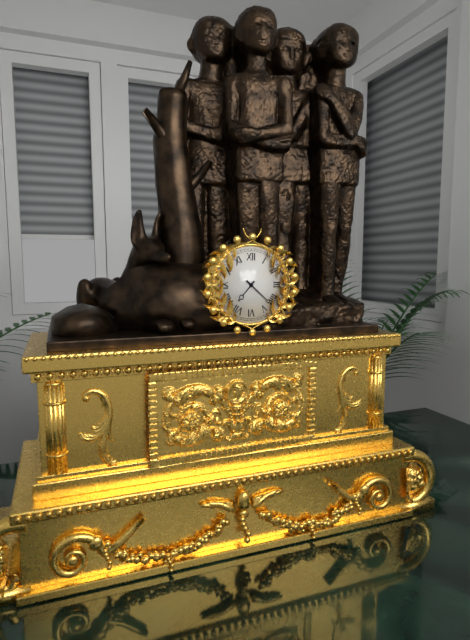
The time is 7h22
